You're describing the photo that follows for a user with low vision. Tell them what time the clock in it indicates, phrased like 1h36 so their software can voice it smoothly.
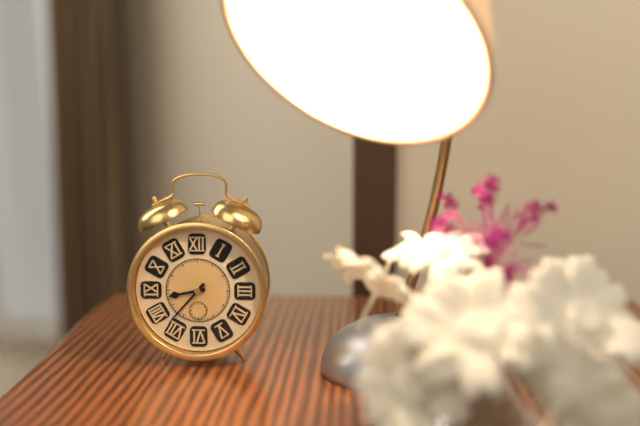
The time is 8h37
